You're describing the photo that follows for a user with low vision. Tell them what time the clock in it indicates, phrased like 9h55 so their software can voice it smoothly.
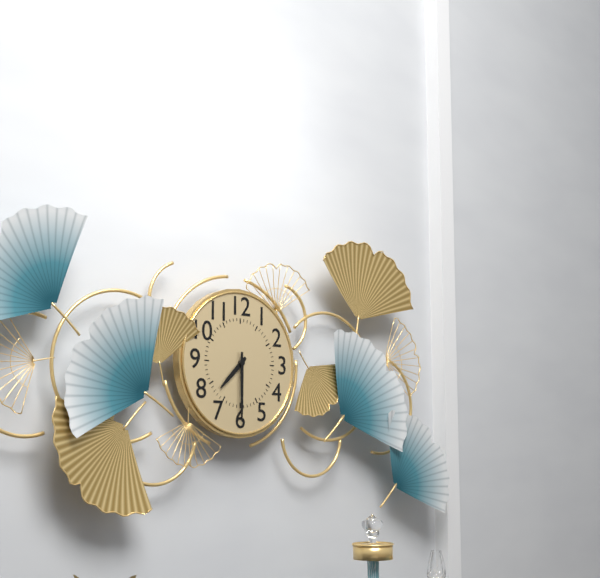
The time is 7h30
